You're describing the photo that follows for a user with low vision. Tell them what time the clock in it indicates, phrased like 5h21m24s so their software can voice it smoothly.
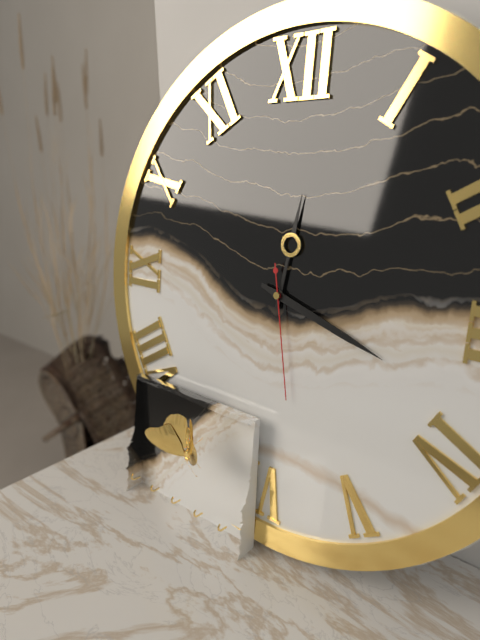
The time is 12h18m28s
